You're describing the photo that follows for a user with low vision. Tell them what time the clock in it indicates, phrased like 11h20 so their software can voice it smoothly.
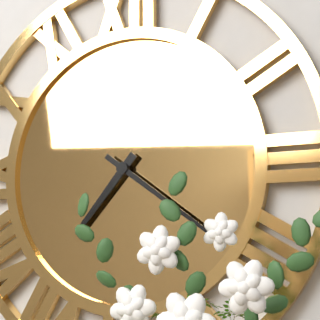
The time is 7h21
